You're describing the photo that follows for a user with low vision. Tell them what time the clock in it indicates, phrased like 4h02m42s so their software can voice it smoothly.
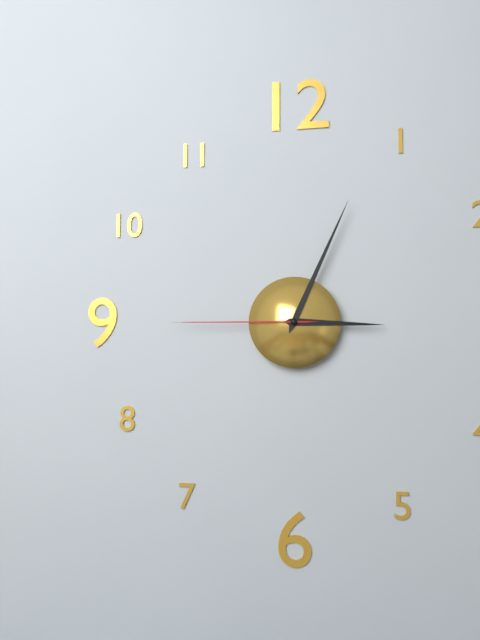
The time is 3h04m45s
